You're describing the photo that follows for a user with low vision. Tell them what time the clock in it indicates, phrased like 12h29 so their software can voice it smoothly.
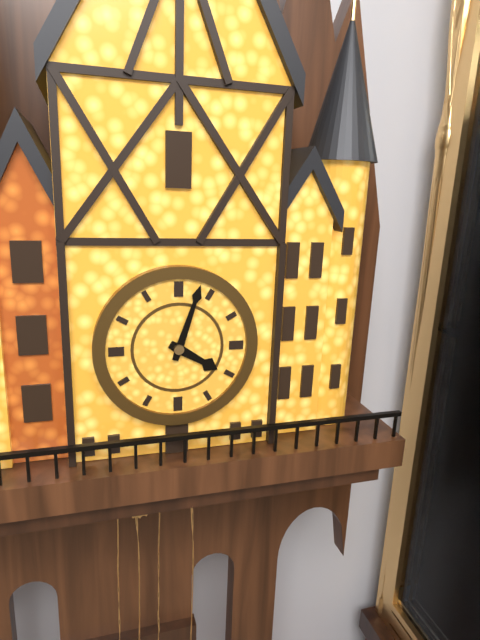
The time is 4h03
